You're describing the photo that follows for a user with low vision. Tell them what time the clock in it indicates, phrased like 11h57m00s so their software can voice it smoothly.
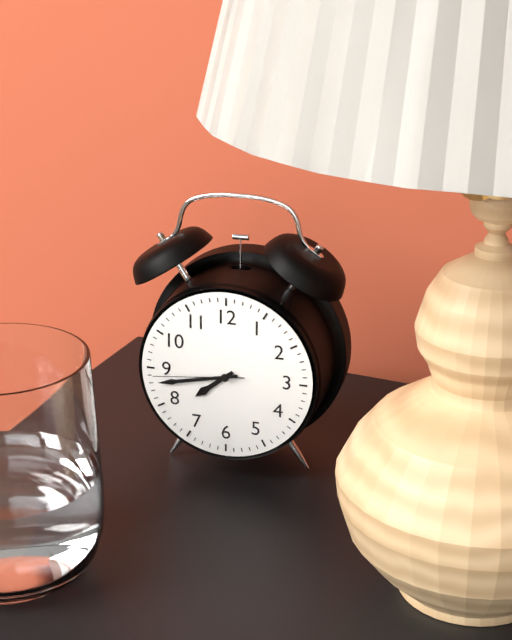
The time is 7h43m44s
